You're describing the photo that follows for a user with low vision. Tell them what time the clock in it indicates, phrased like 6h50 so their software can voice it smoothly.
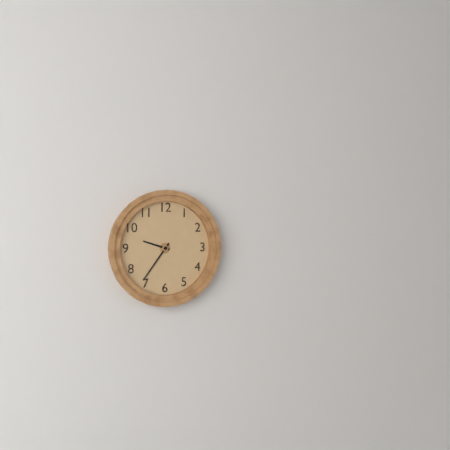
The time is 9h36
